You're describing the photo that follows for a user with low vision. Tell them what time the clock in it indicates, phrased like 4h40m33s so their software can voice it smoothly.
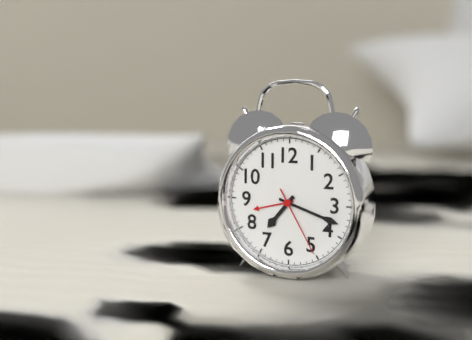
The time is 7h18m25s
